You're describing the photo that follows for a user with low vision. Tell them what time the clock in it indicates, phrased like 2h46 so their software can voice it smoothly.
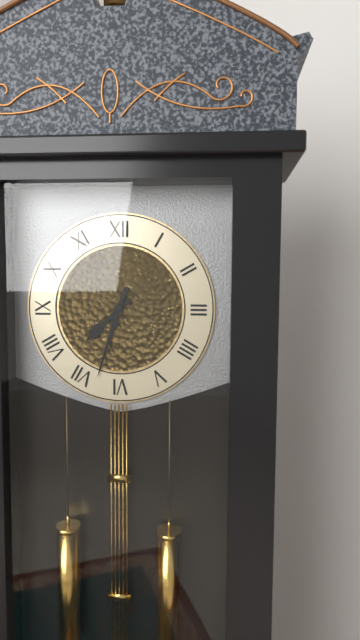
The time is 7h33
